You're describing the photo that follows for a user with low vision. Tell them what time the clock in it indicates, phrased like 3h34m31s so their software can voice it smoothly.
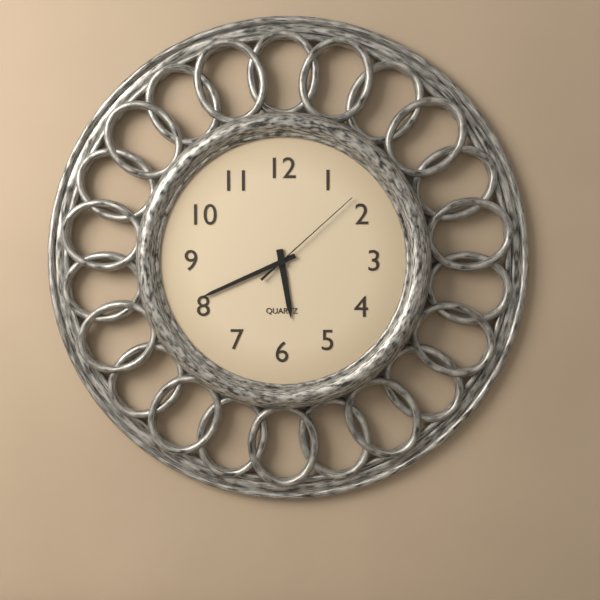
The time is 5h41m08s
